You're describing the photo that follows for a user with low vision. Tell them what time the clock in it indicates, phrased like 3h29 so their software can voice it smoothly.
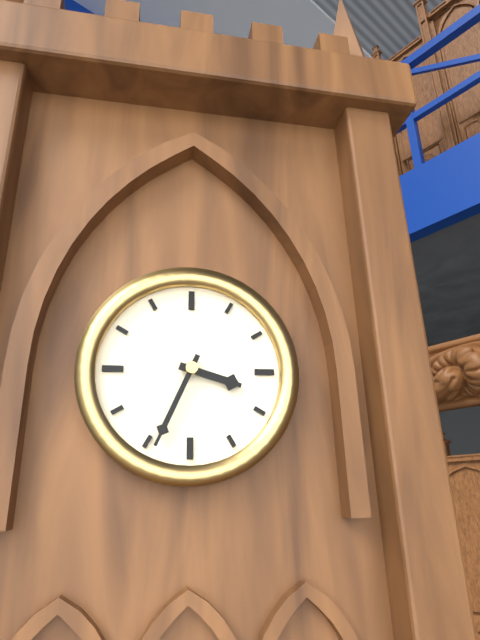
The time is 3h34
